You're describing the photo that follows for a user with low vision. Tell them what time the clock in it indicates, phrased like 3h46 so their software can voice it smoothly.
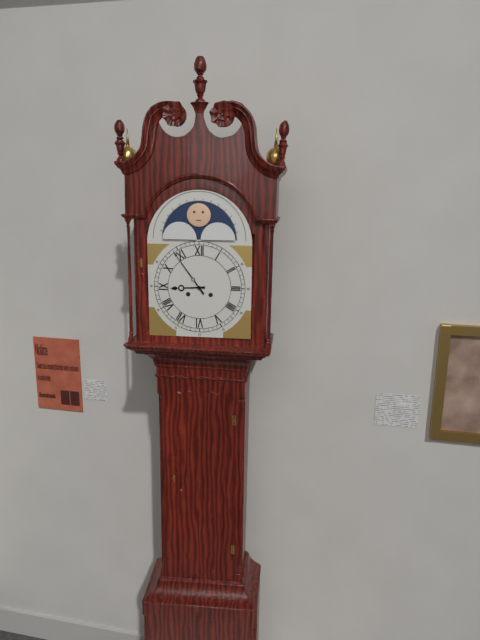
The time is 8h54
